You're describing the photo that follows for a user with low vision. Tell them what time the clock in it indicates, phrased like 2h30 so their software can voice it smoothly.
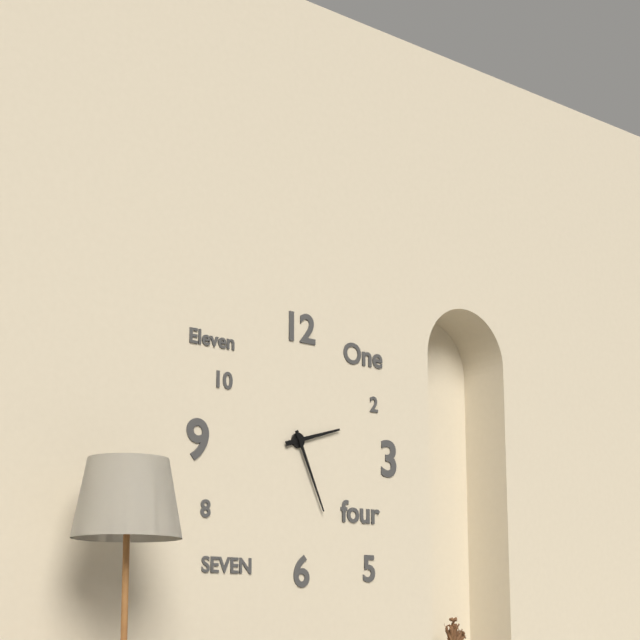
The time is 2h26
